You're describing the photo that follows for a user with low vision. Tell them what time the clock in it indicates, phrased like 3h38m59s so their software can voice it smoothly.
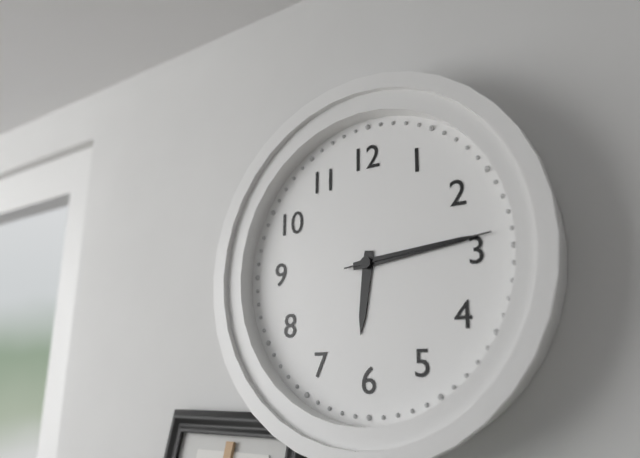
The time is 6h14m14s
